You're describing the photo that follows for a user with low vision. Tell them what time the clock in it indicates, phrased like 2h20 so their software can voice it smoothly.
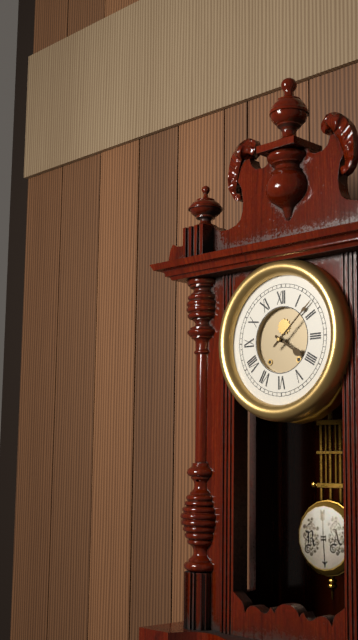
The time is 4h08
